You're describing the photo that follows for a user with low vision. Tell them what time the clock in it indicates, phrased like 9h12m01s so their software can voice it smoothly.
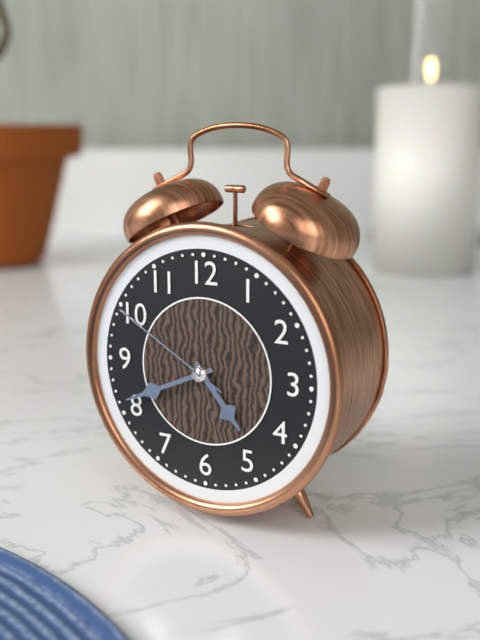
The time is 4h41m50s
